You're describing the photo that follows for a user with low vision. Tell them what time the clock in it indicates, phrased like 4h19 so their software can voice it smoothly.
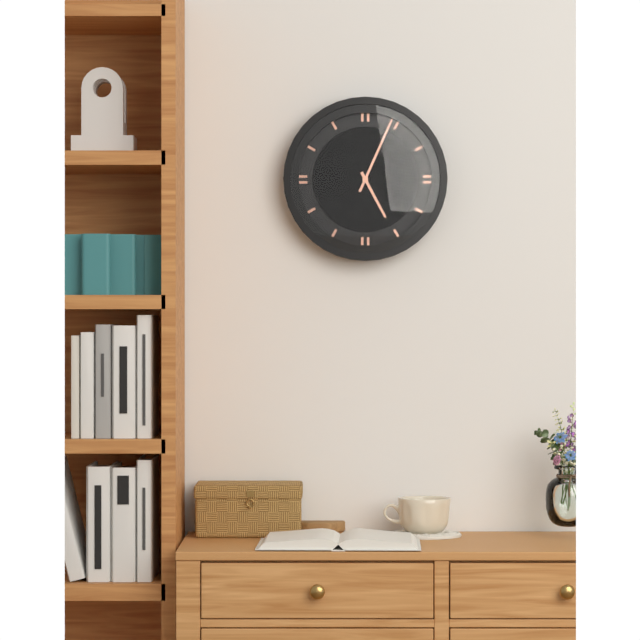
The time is 5h04
